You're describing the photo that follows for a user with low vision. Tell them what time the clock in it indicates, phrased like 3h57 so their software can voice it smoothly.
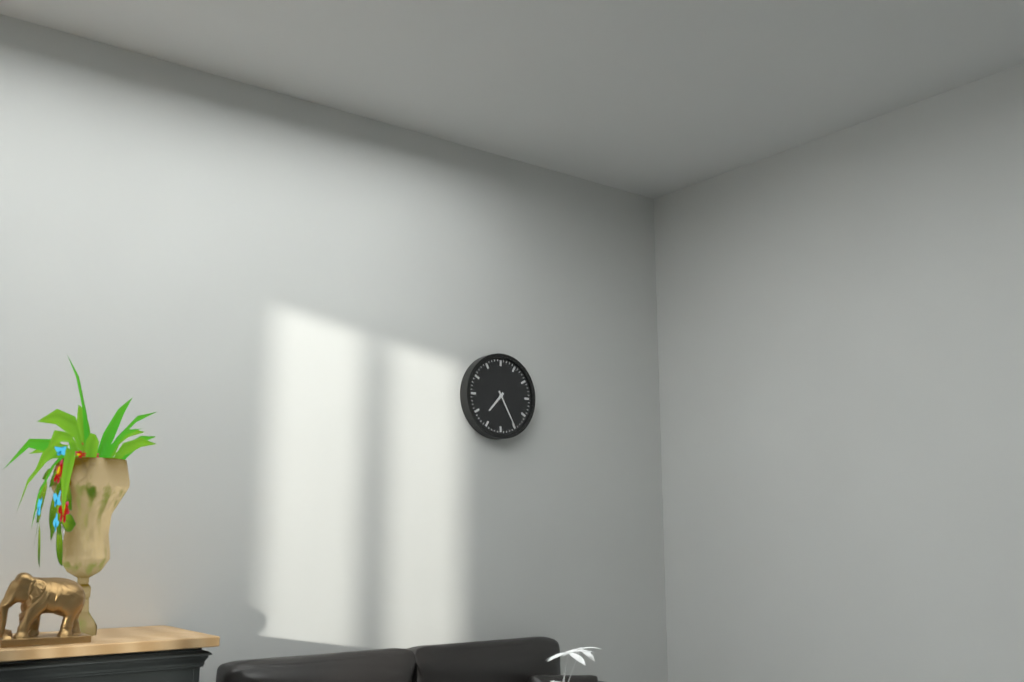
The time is 7h25
